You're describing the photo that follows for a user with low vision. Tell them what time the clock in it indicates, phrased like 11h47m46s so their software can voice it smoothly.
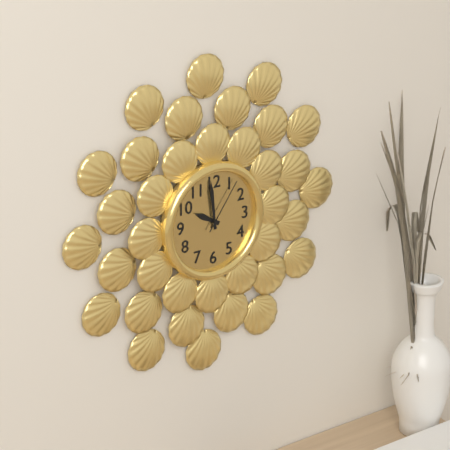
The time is 9h59m06s
